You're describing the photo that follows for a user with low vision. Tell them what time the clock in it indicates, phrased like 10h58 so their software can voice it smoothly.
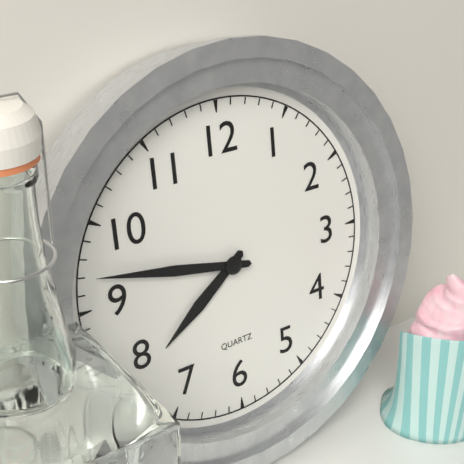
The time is 7h47
